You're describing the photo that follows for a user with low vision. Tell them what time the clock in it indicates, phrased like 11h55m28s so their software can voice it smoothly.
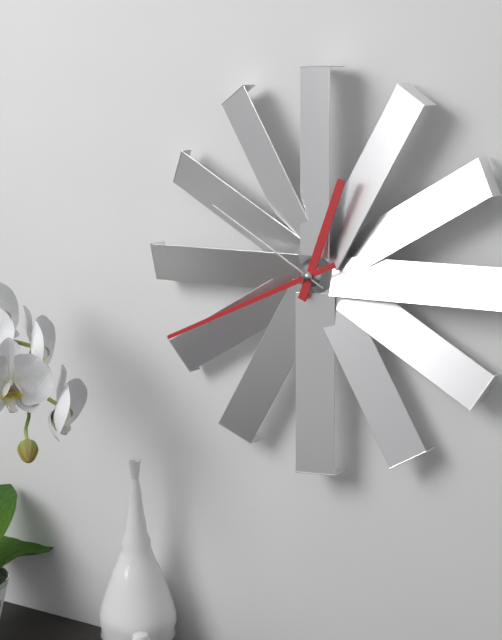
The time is 12h41m50s
